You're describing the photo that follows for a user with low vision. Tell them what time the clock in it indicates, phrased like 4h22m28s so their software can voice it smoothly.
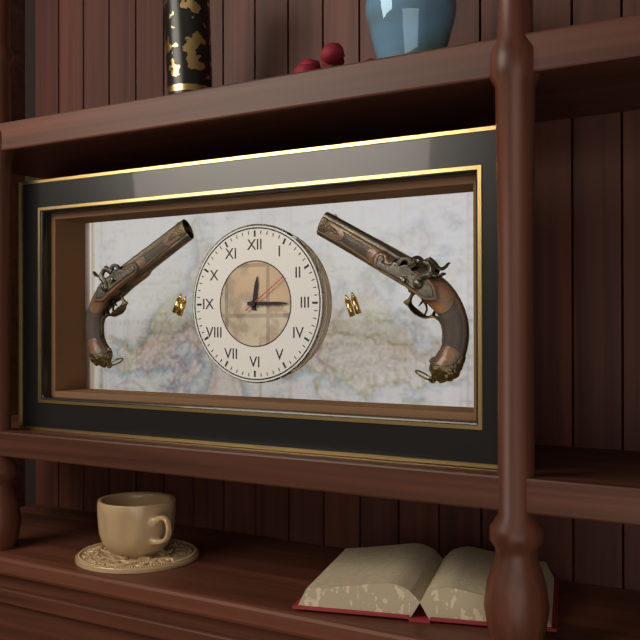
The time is 12h15m09s
